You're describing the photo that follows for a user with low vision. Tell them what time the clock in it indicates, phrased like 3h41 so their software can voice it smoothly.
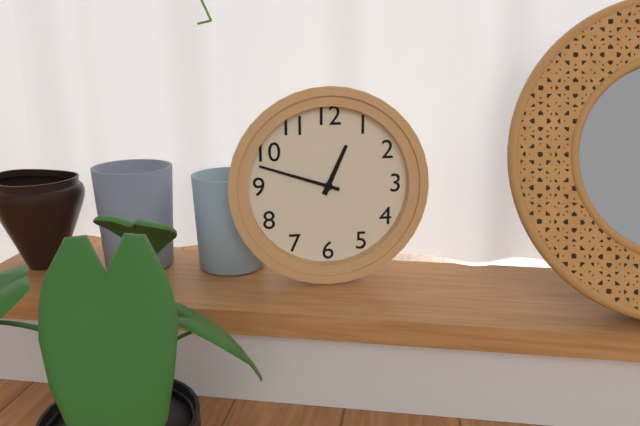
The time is 12h48
